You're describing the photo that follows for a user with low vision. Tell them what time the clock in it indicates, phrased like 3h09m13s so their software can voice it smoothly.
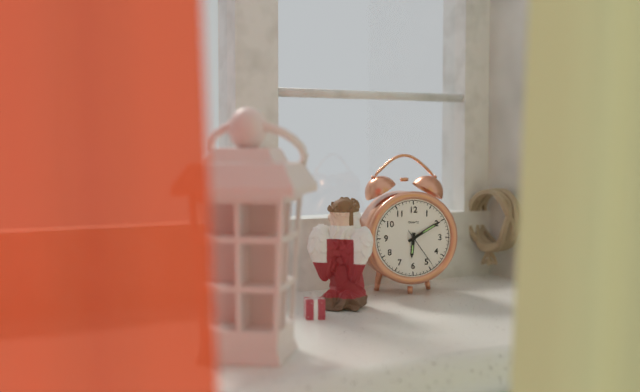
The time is 6h10m24s
